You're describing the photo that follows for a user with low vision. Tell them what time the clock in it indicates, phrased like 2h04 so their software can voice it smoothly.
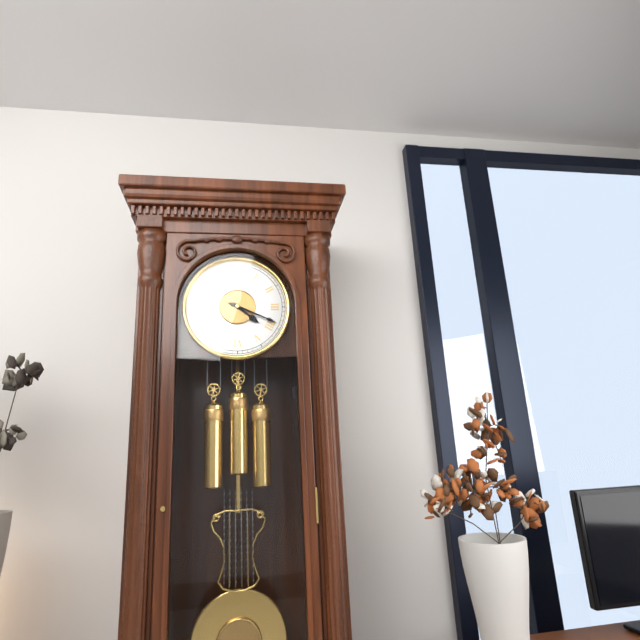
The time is 4h19
